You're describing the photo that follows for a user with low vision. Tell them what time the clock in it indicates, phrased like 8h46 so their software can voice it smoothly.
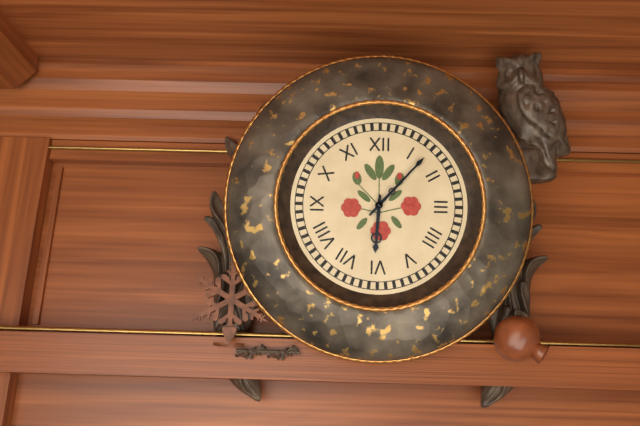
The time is 6h07
